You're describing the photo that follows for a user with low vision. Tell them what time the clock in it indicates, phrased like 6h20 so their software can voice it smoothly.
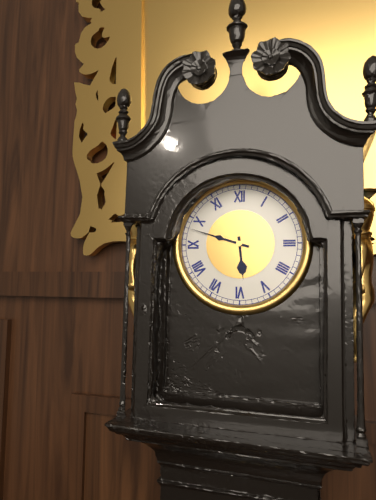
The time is 5h48
